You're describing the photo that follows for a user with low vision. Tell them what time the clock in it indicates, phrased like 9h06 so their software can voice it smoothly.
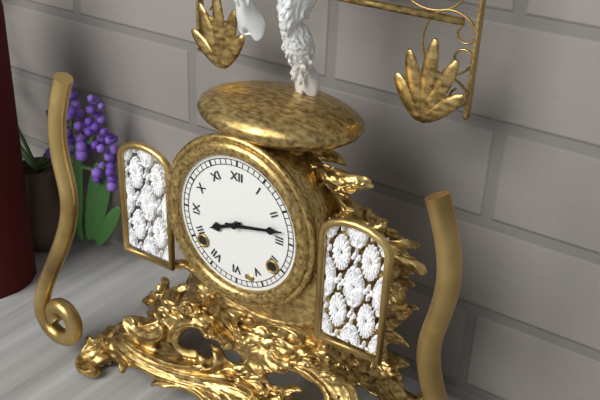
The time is 8h13
